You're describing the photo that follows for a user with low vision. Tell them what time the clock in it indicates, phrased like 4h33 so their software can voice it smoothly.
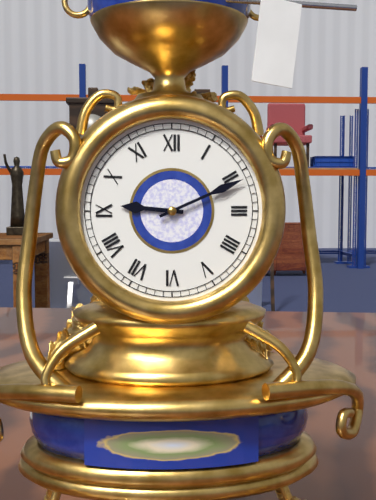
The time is 9h11
